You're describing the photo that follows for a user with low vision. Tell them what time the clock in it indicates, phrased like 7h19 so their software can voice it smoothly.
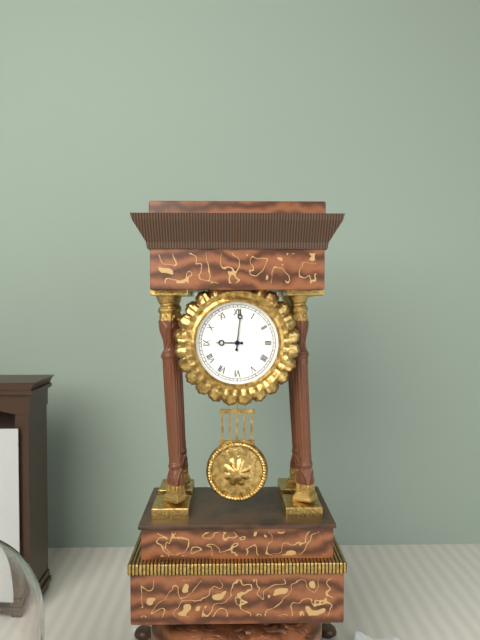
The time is 9h01
